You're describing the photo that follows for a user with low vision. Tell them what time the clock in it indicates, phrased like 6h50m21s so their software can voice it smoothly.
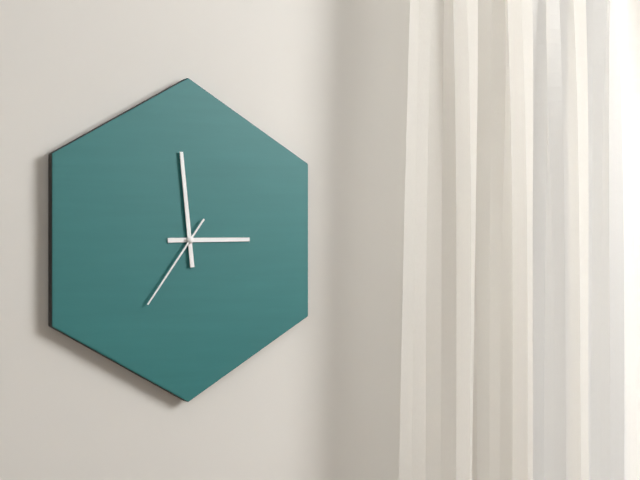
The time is 2h59m36s
